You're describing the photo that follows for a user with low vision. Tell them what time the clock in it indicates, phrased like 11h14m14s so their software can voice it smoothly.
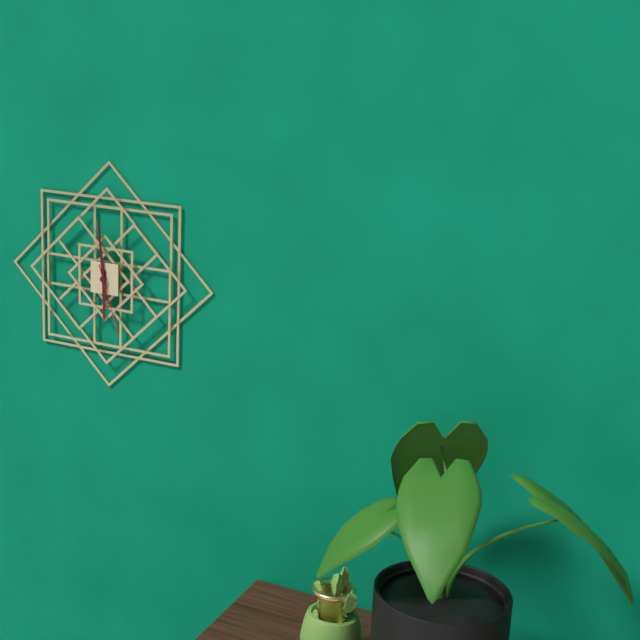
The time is 5h59m27s
